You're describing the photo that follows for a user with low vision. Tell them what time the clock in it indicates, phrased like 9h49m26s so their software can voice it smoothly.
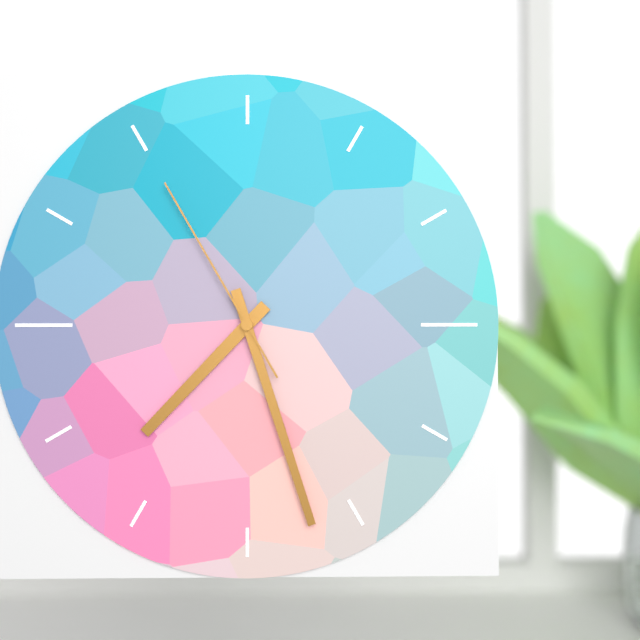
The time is 7h27m55s
